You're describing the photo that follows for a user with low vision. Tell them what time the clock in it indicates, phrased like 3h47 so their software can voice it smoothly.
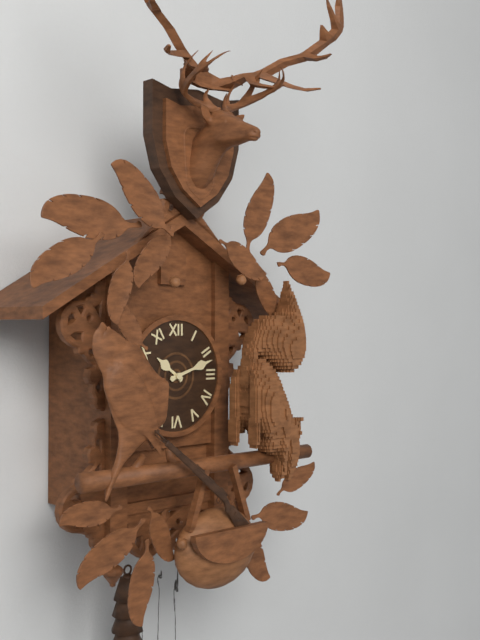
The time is 10h12
